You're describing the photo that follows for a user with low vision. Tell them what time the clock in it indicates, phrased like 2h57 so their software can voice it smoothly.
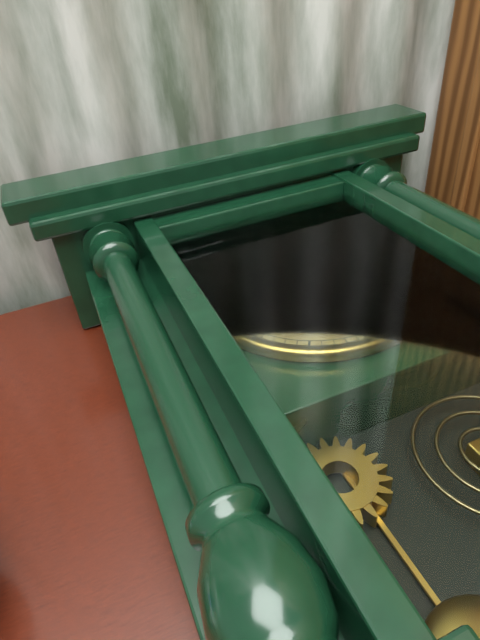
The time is 3h07
